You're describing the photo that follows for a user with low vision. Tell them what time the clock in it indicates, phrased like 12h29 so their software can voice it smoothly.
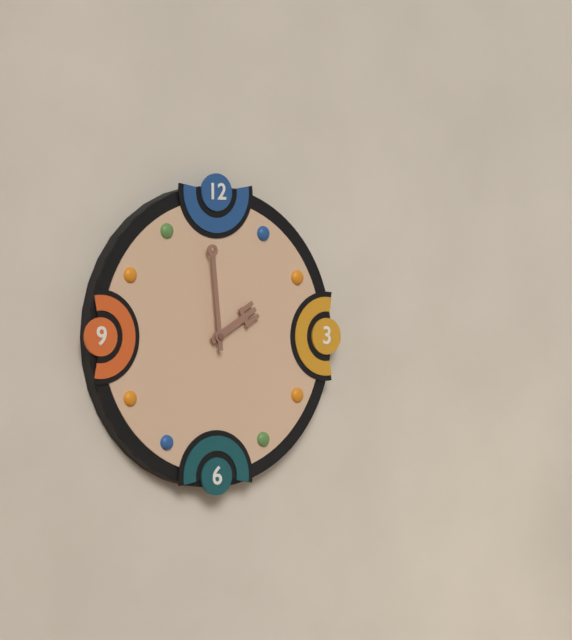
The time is 1h59
